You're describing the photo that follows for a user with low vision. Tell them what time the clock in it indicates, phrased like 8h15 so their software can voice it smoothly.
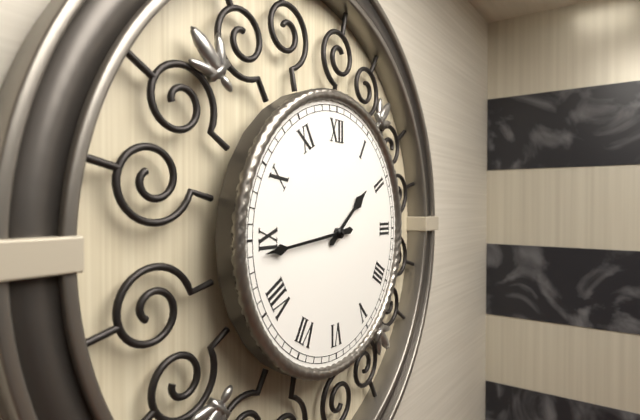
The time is 1h44
